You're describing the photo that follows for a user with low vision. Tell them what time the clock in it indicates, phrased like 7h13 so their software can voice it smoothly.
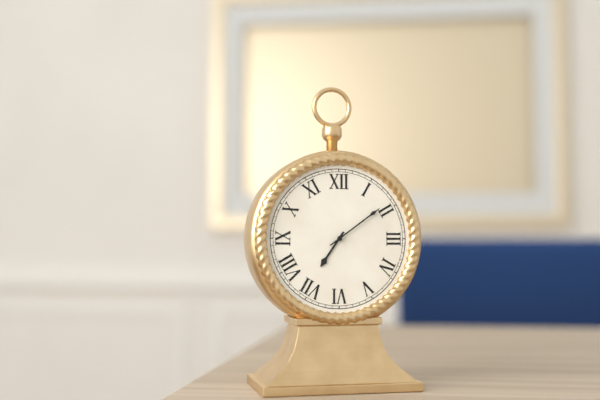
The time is 7h09
